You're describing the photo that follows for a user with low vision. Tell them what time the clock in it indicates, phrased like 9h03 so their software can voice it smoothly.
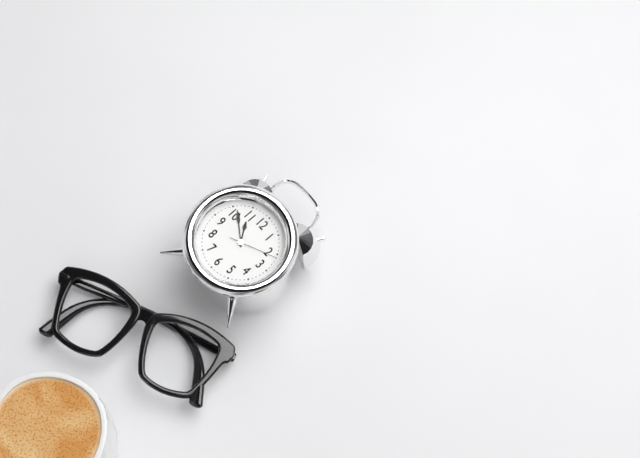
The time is 10h51
